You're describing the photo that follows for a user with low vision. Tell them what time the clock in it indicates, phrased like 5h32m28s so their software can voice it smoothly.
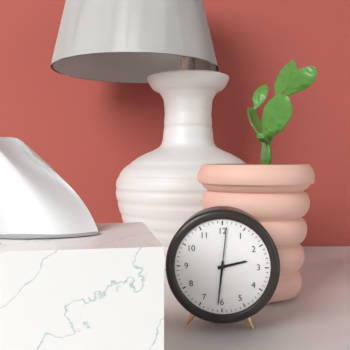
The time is 2h31m01s
